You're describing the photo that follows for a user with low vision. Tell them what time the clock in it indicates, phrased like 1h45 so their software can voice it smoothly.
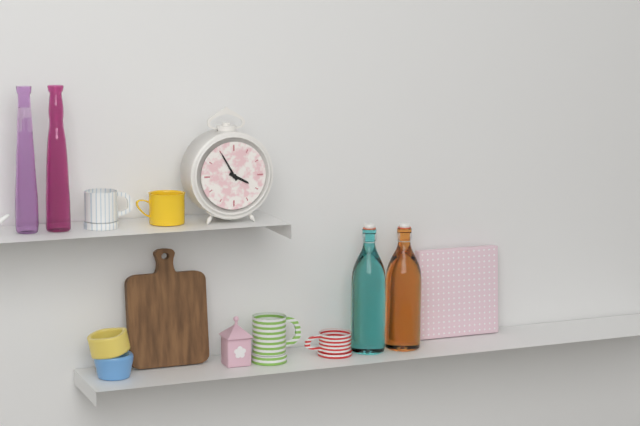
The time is 3h55
